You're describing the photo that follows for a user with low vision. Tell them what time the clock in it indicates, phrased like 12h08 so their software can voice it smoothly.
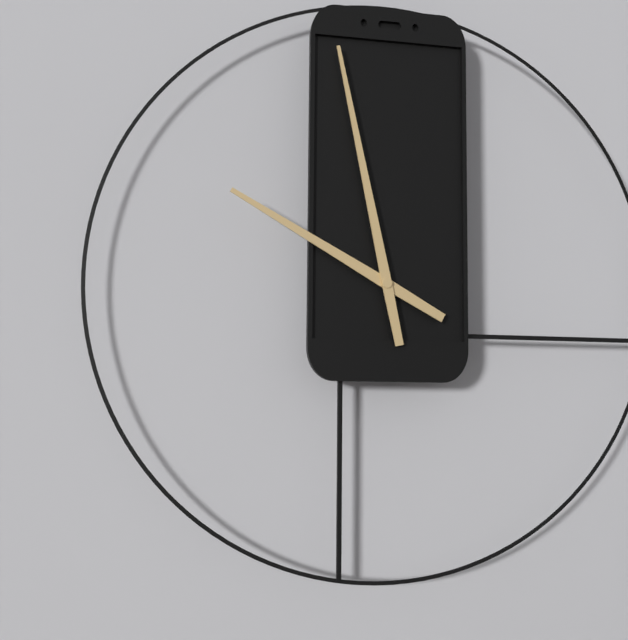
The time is 9h58
